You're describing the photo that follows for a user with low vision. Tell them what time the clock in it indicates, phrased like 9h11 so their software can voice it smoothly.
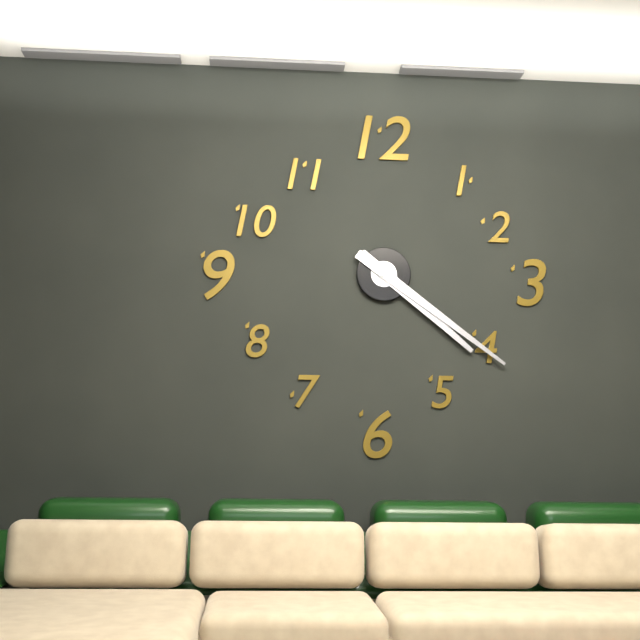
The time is 4h21
